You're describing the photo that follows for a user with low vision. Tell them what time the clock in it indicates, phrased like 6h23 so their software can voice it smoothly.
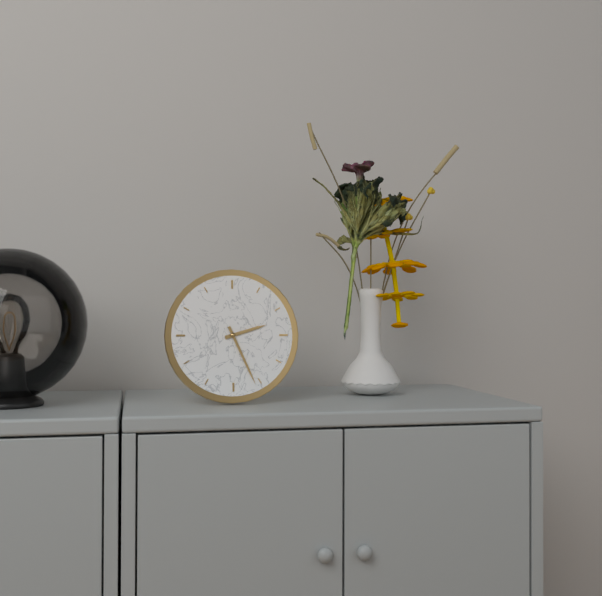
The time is 2h26
